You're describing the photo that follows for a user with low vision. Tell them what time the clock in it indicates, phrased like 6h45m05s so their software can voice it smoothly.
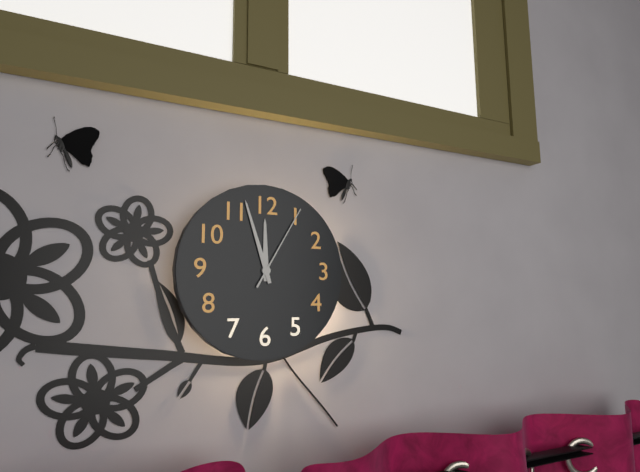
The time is 11h57m05s
